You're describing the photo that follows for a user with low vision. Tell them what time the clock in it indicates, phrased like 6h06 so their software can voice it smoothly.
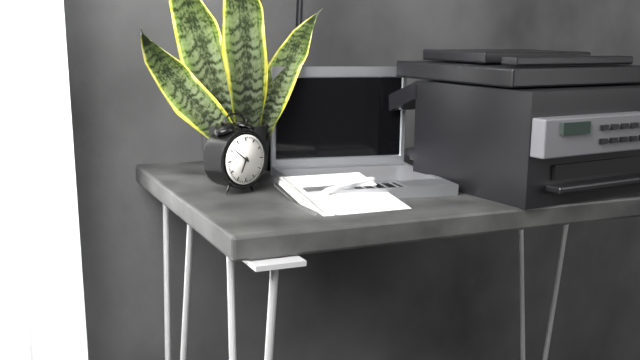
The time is 6h51
